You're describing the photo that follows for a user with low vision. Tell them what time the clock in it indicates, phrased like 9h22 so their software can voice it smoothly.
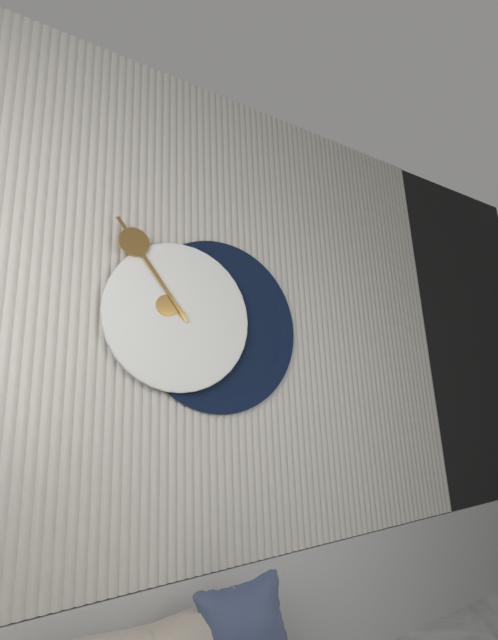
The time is 9h54
